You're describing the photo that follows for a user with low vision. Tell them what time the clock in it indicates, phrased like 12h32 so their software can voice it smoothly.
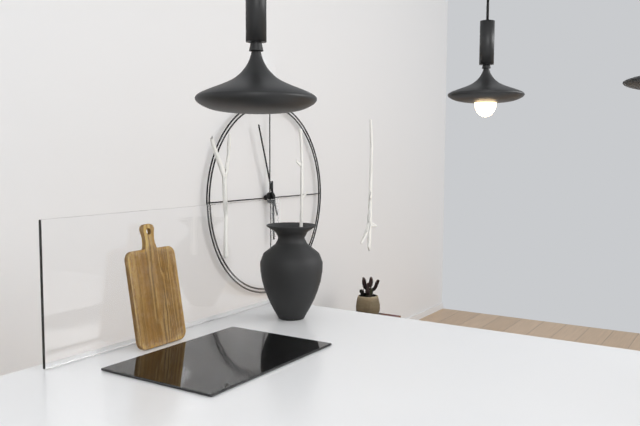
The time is 5h57
